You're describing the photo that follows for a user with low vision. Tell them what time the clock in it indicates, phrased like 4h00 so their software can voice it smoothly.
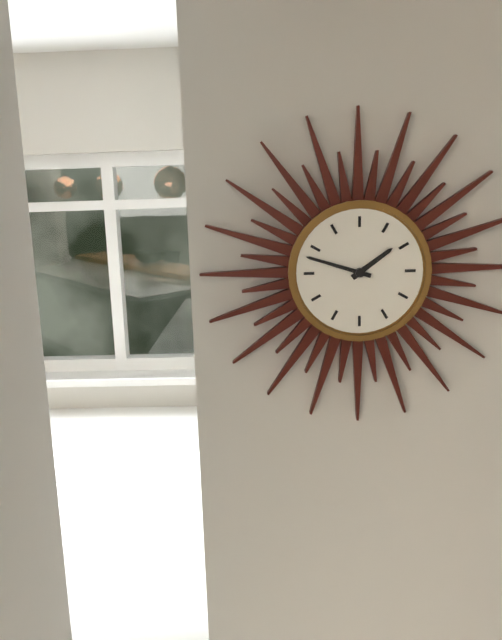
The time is 1h48
